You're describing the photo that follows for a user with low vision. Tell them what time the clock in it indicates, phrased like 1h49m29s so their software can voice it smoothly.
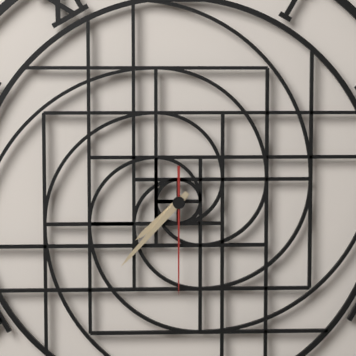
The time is 7h37m30s
